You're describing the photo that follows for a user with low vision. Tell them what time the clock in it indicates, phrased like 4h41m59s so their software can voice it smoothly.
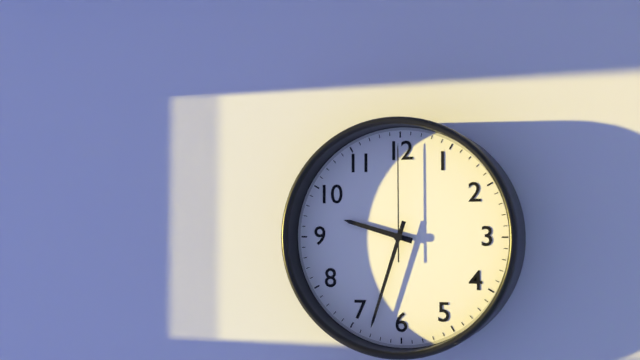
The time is 9h33m00s
